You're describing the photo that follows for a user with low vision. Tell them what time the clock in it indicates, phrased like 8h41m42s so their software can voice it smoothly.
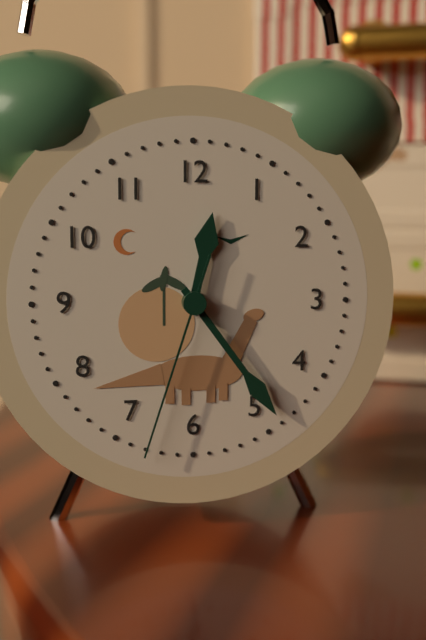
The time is 12h24m33s
